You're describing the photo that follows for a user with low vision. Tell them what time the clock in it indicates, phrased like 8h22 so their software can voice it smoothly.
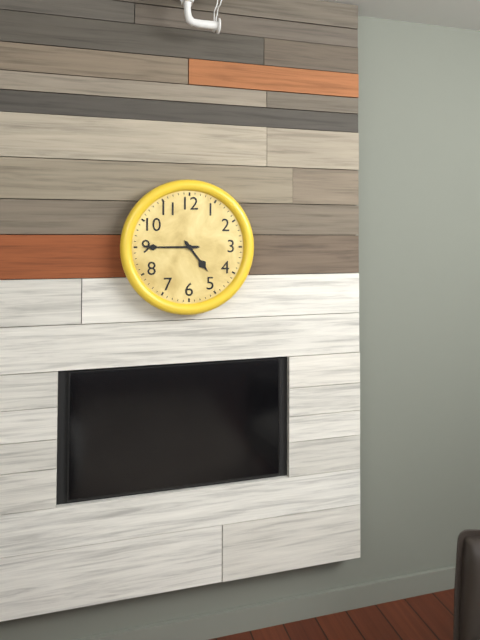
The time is 4h45
